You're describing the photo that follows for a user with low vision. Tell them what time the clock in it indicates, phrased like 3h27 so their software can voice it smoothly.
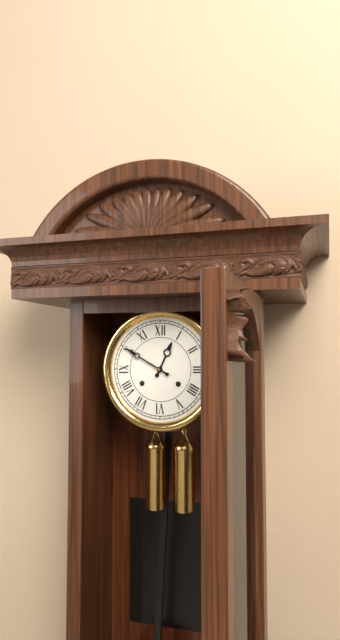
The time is 12h50
